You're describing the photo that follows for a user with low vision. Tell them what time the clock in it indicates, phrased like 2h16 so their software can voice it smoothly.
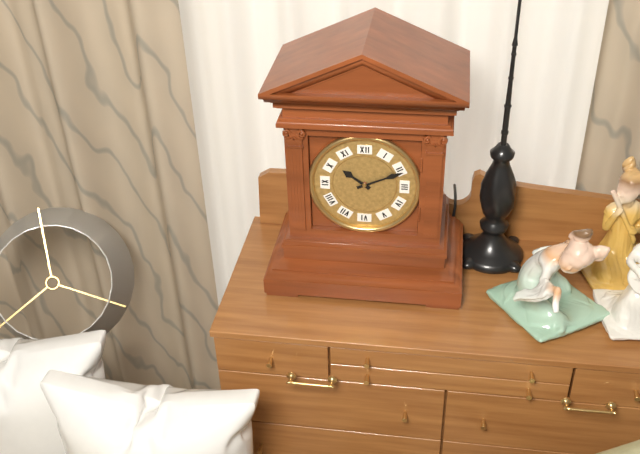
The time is 10h11
